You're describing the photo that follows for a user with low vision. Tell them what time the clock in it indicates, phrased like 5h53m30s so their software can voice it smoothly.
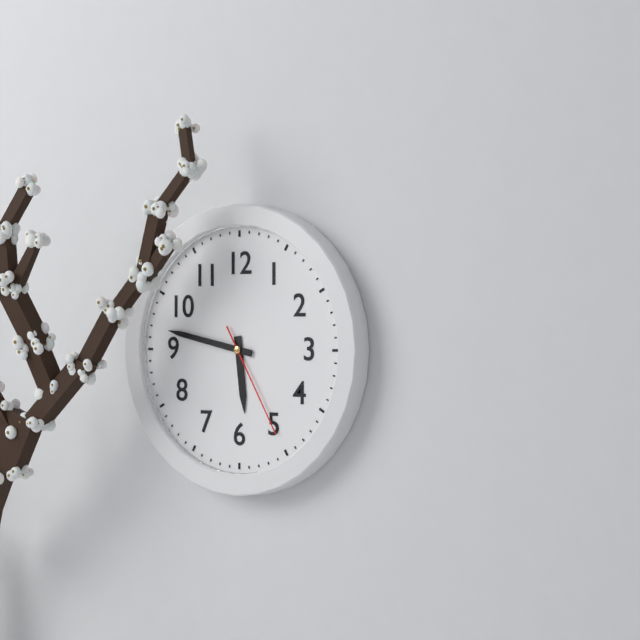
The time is 5h47m25s
